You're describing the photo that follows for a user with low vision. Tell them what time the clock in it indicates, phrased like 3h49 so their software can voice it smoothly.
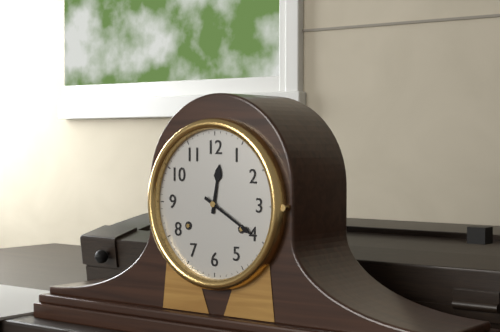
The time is 12h20
